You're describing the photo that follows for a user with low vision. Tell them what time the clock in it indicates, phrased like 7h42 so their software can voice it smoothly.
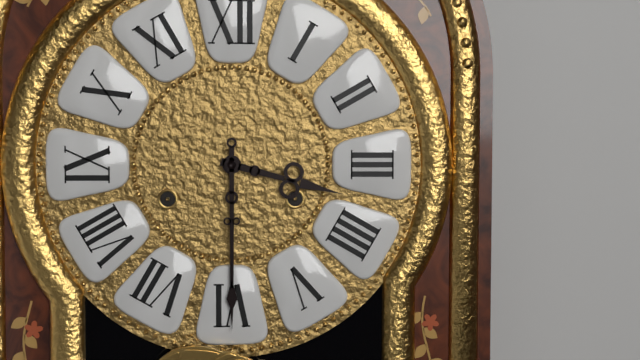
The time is 3h30
